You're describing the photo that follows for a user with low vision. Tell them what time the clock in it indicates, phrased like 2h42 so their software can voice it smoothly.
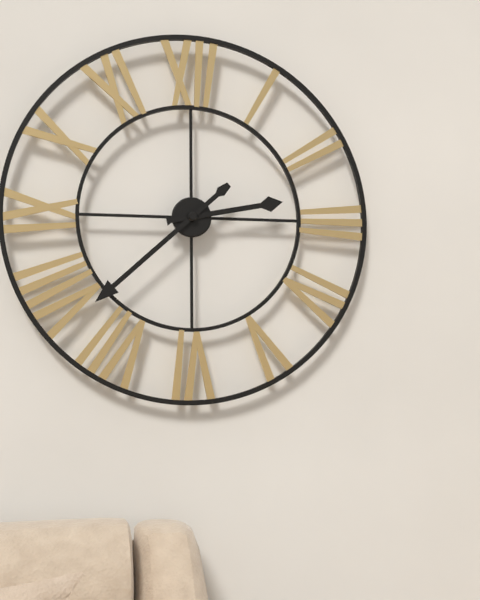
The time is 2h38
